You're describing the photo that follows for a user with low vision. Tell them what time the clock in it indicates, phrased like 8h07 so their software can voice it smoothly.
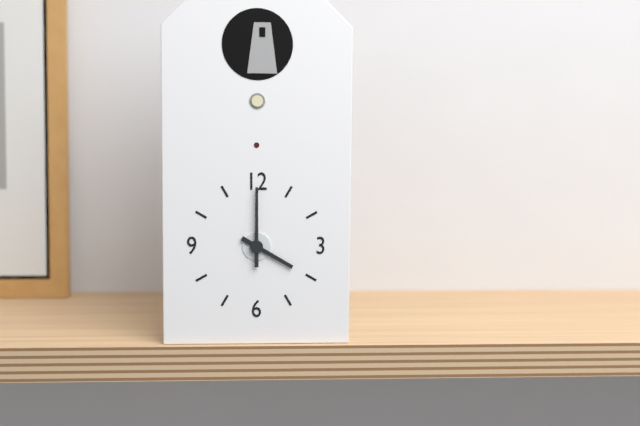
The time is 4h00
